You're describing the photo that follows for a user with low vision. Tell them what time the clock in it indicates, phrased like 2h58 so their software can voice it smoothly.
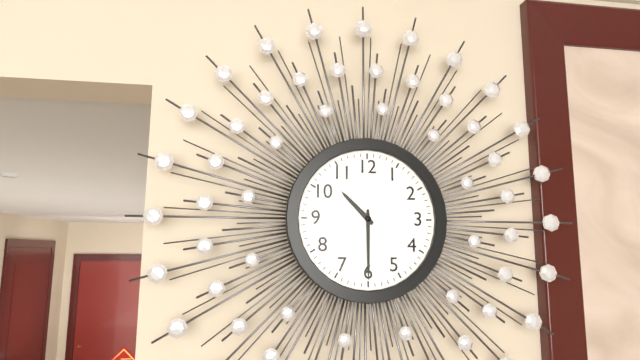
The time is 10h30
